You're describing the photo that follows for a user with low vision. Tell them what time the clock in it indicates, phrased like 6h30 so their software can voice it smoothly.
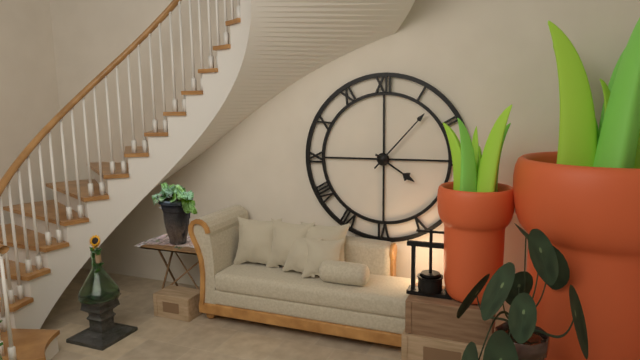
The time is 4h07
